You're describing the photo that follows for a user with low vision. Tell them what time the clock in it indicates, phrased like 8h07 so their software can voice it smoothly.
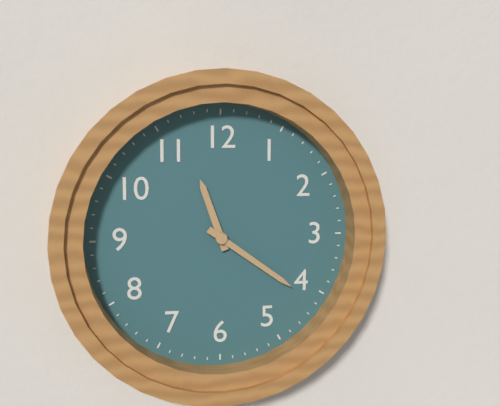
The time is 11h21
